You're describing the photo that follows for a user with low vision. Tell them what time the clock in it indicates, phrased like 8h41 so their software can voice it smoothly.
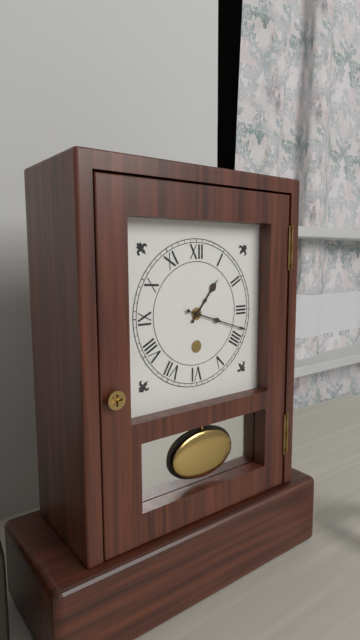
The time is 1h18
